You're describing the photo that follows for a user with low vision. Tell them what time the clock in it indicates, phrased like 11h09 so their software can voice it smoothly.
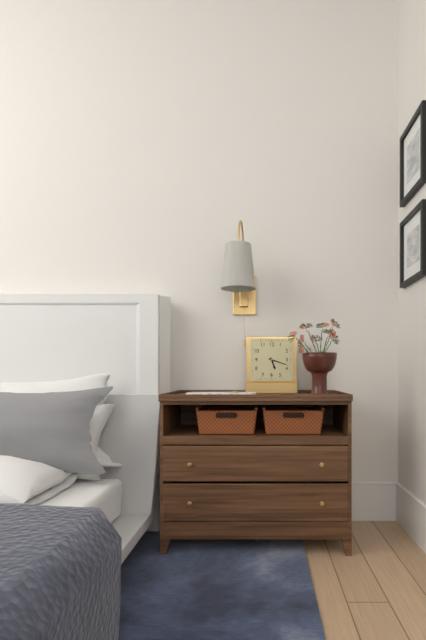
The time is 5h18
